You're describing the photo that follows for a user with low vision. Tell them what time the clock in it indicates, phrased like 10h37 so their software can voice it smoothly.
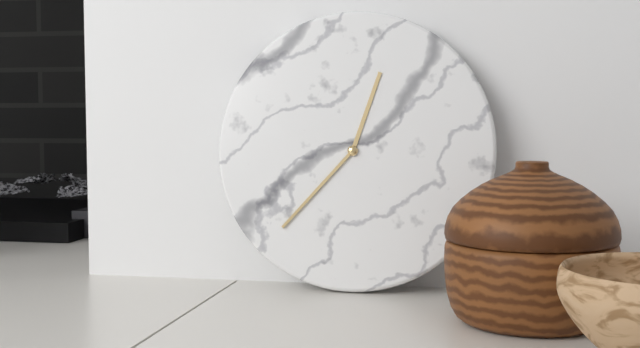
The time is 12h37
